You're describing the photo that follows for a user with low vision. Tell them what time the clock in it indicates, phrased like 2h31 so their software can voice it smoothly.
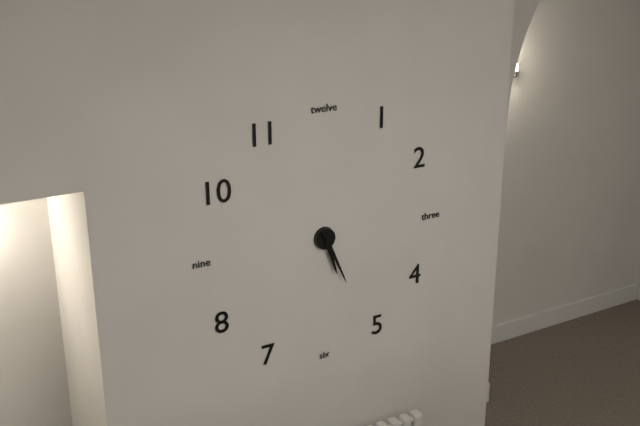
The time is 5h26
